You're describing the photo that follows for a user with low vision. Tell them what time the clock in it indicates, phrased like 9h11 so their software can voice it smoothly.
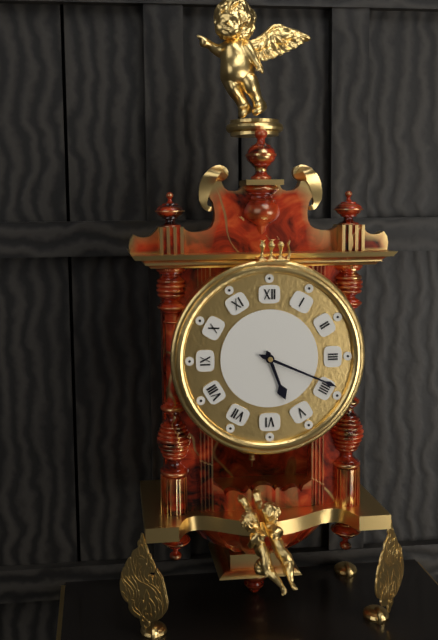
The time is 5h19
